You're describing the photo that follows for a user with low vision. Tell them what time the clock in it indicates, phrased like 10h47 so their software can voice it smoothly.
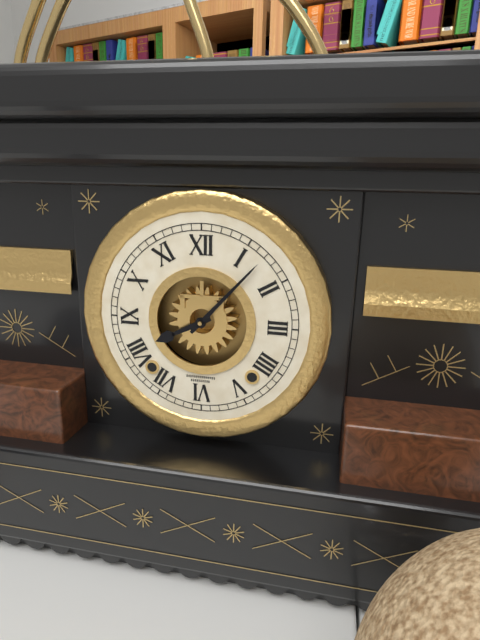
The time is 8h07
